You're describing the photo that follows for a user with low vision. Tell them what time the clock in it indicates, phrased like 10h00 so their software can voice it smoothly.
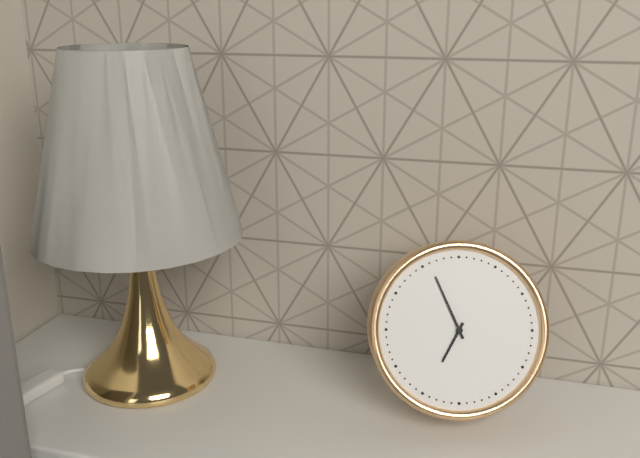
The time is 6h56
